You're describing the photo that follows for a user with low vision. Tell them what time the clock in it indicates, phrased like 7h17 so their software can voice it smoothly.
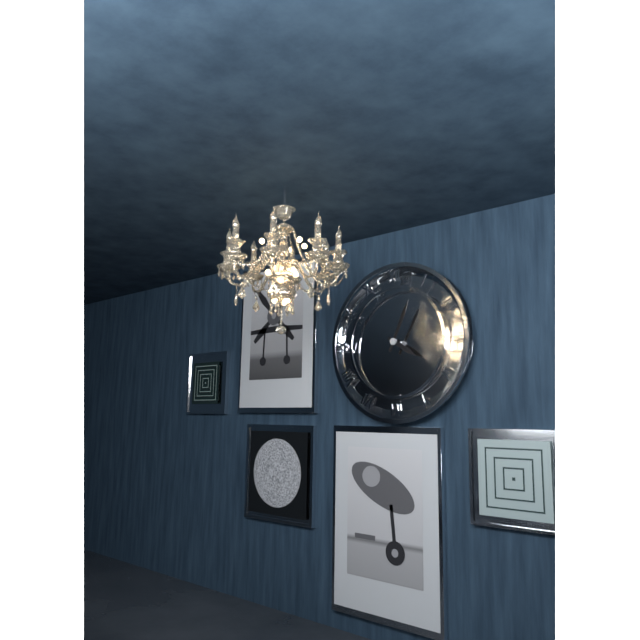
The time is 4h04
